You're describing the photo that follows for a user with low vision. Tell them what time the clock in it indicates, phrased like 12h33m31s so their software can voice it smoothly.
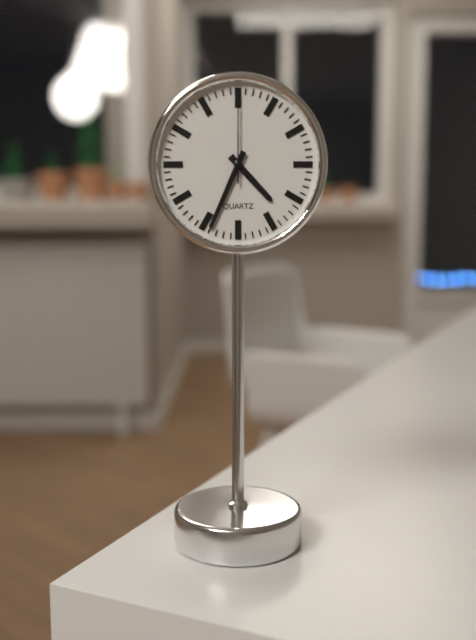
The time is 4h34m00s
